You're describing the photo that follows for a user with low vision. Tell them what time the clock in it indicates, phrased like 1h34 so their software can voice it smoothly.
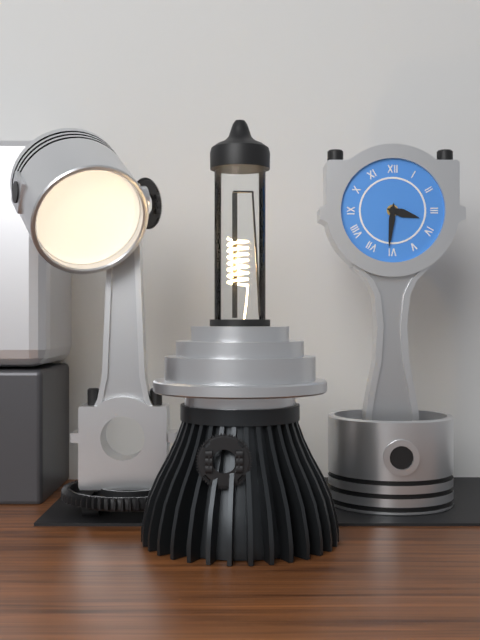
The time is 3h31
